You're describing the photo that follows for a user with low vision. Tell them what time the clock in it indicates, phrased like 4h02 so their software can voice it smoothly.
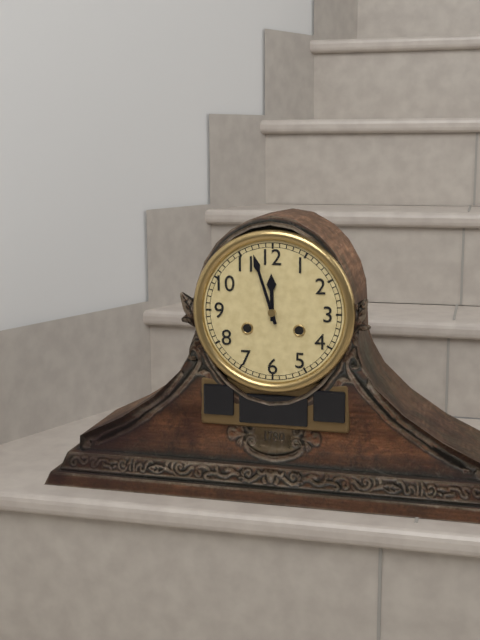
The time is 11h57
